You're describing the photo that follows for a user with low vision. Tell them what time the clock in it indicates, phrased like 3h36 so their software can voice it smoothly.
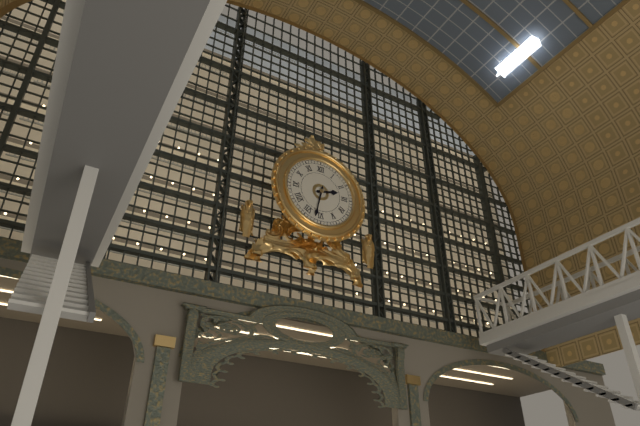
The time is 2h32
